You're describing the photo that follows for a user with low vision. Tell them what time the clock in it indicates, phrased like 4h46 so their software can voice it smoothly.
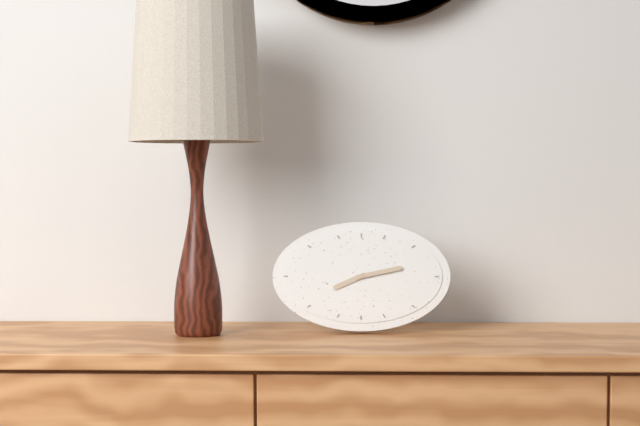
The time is 8h13
